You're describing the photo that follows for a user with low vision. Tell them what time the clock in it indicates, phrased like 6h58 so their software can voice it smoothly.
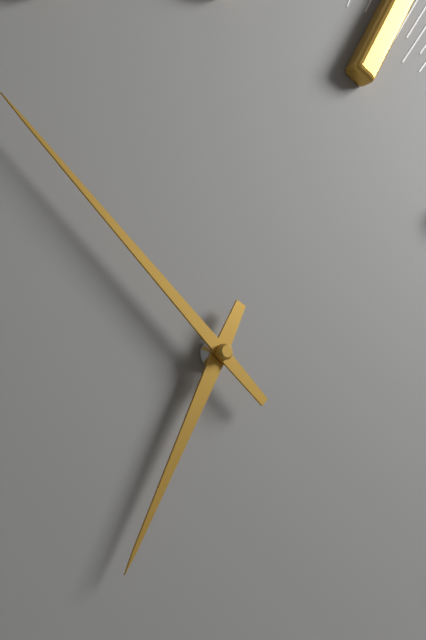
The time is 6h52
